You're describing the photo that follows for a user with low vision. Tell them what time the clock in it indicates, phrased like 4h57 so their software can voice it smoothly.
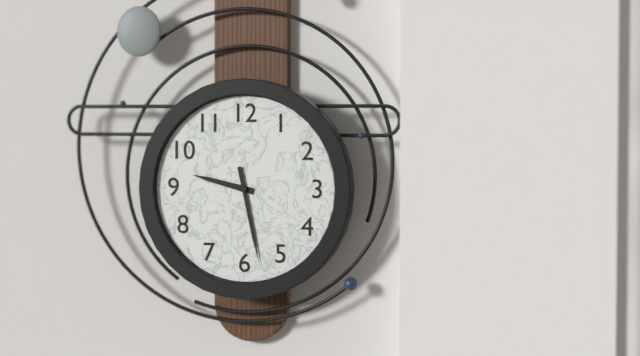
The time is 9h28
